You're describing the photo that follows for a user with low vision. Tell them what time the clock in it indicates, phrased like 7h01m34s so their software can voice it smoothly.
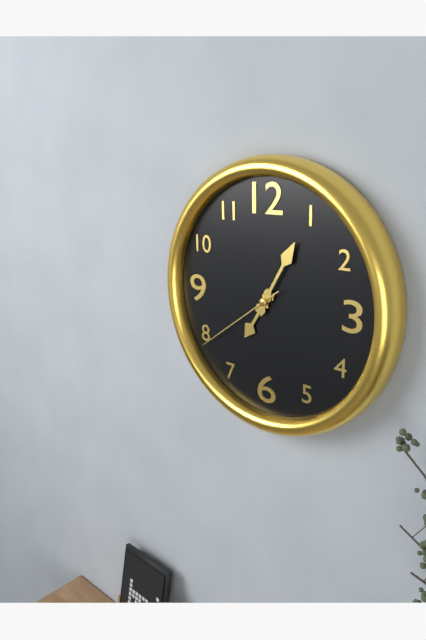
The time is 7h05m39s
